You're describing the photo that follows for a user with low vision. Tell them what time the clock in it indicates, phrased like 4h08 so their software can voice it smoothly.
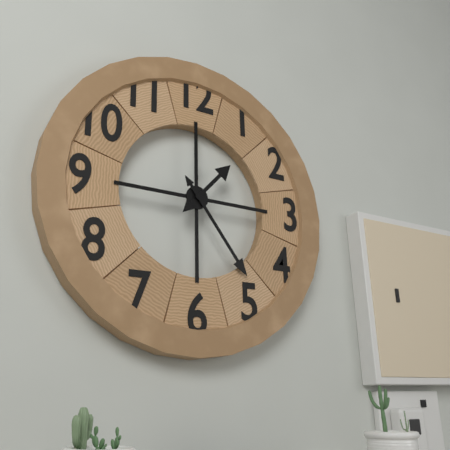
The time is 1h24
